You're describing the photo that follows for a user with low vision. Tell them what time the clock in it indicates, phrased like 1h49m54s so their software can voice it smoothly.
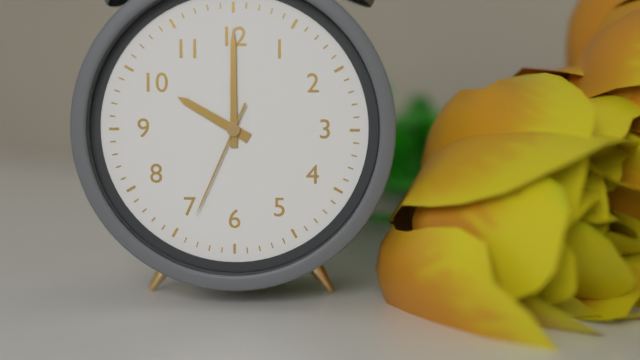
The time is 10h00m34s
